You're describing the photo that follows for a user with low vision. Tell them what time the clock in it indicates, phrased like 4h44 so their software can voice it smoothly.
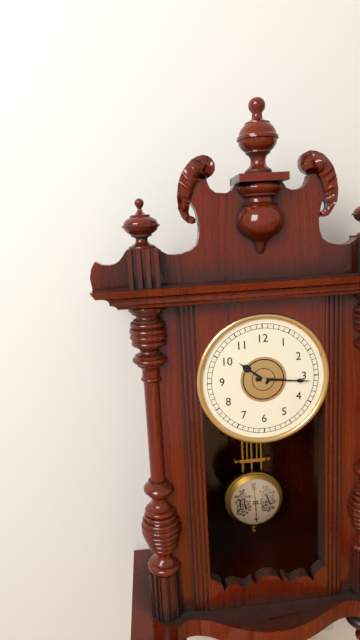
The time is 10h16
